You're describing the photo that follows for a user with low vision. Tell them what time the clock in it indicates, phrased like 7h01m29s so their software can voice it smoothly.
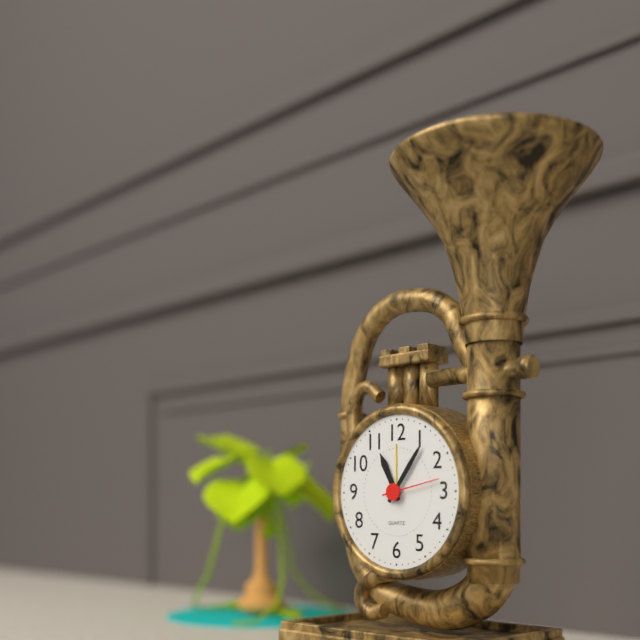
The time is 11h06m13s
